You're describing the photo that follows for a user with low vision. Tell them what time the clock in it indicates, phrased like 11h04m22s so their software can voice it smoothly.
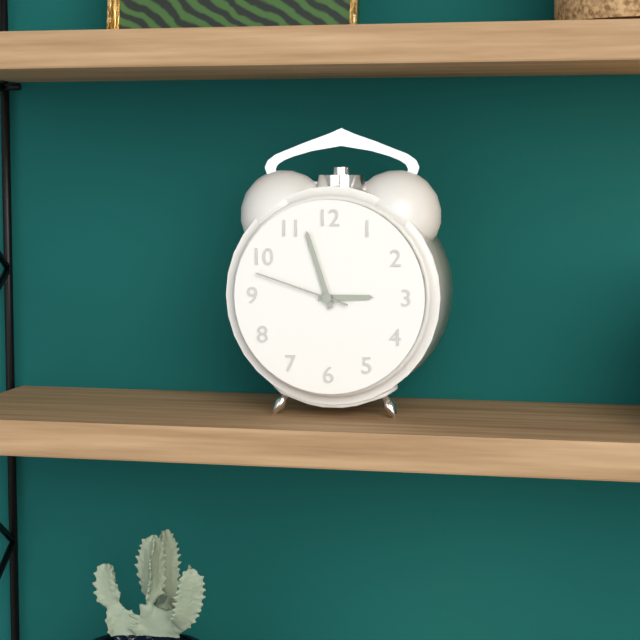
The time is 2h57m48s
